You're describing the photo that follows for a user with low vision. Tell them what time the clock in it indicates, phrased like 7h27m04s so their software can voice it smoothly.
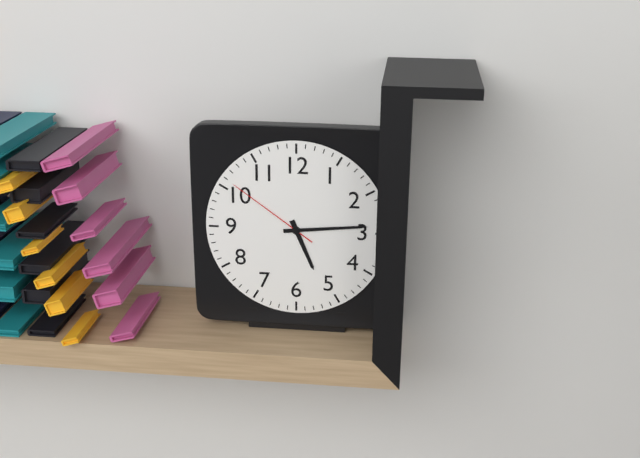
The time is 5h14m51s
